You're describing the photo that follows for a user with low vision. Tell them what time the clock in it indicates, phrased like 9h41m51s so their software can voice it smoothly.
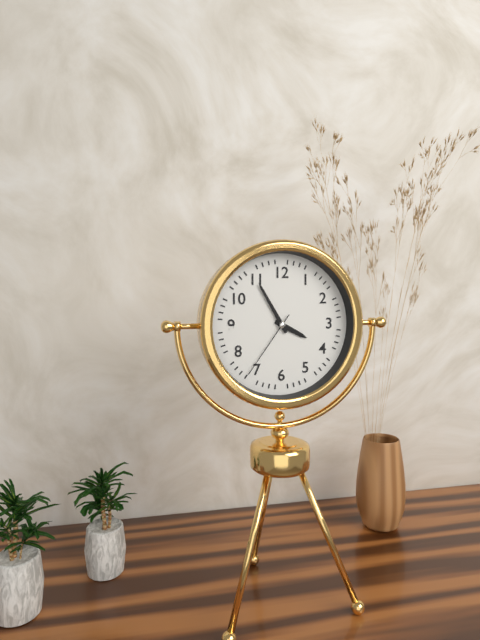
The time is 3h55m36s
